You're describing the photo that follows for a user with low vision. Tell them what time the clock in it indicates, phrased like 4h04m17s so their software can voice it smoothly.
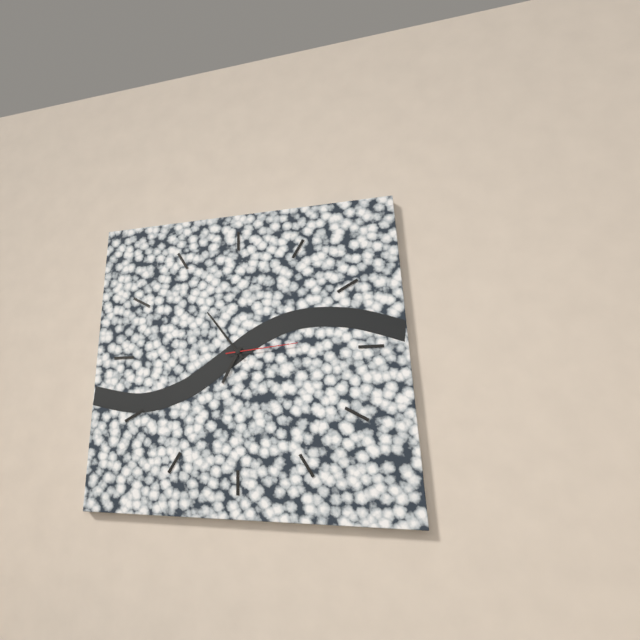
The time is 6h54m14s
